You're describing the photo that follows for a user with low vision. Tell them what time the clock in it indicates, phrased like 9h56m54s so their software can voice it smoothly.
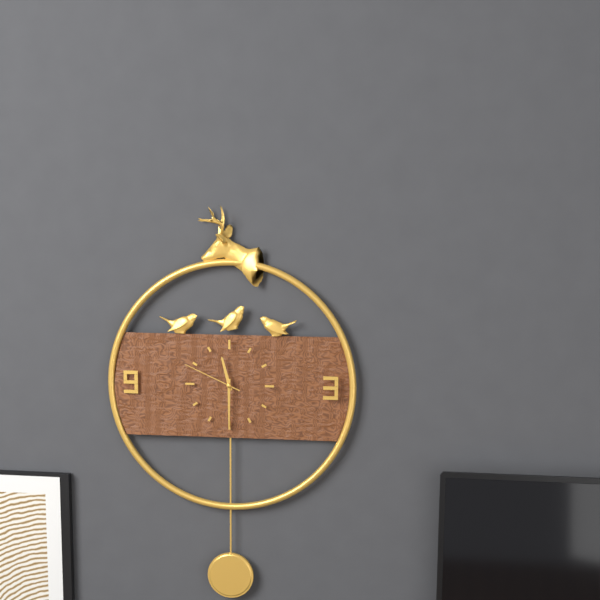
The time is 11h30m49s
